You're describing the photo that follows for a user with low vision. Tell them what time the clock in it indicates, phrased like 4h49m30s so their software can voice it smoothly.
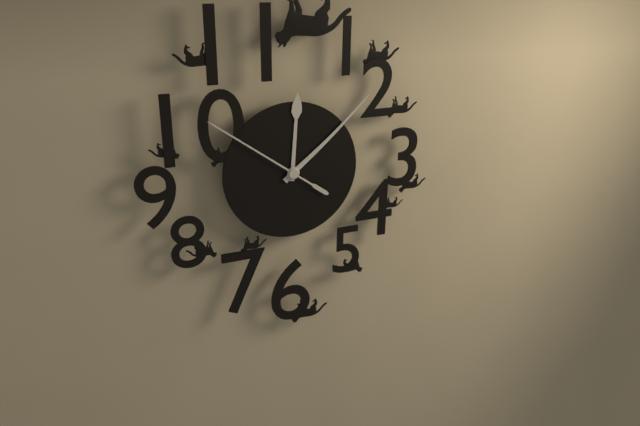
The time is 12h08m51s
